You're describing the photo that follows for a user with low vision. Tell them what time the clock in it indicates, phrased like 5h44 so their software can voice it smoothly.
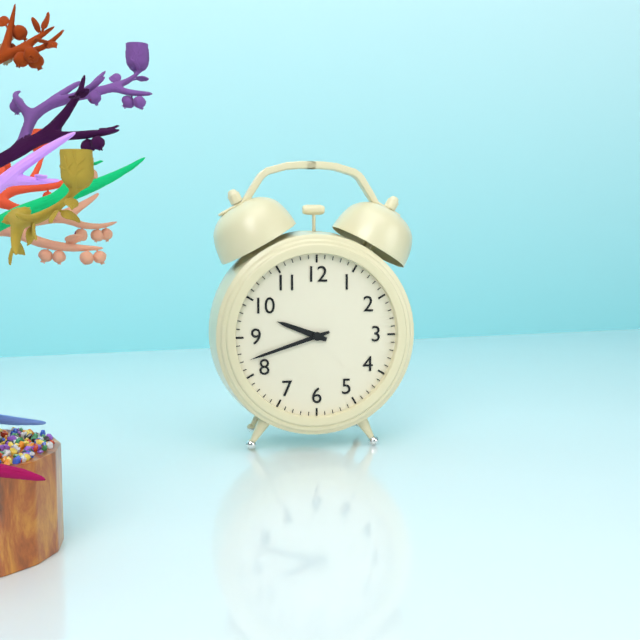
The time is 9h42
